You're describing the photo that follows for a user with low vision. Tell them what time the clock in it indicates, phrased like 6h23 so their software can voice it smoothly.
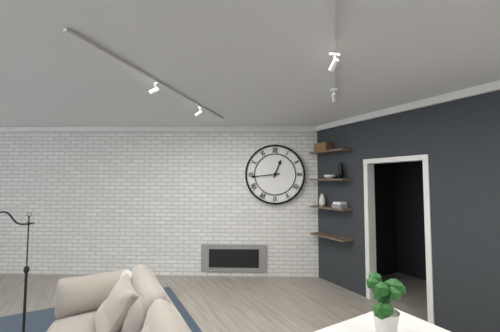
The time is 12h44
